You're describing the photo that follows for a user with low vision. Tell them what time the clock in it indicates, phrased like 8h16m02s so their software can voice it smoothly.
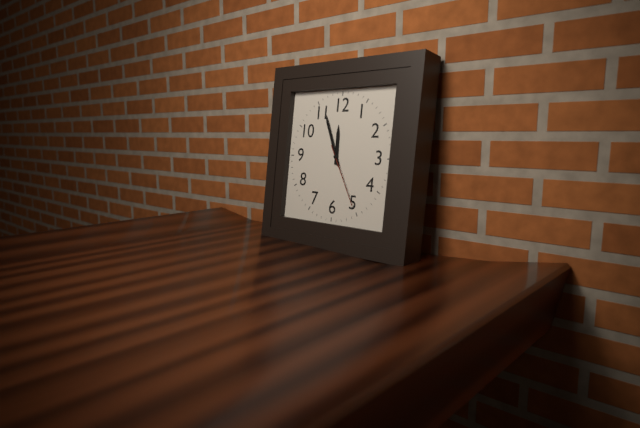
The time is 11h56m25s
